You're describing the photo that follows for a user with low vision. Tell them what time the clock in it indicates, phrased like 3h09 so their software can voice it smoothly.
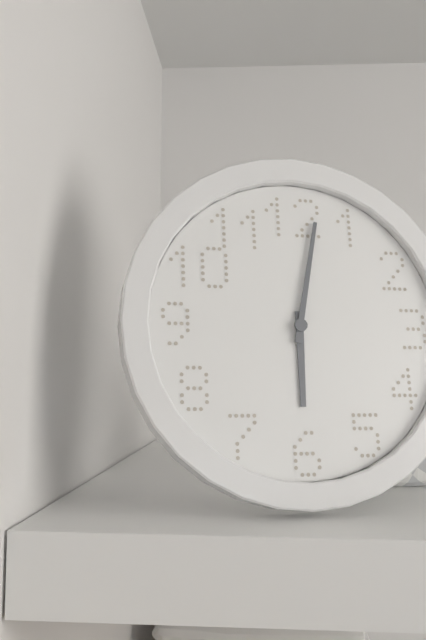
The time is 6h02
